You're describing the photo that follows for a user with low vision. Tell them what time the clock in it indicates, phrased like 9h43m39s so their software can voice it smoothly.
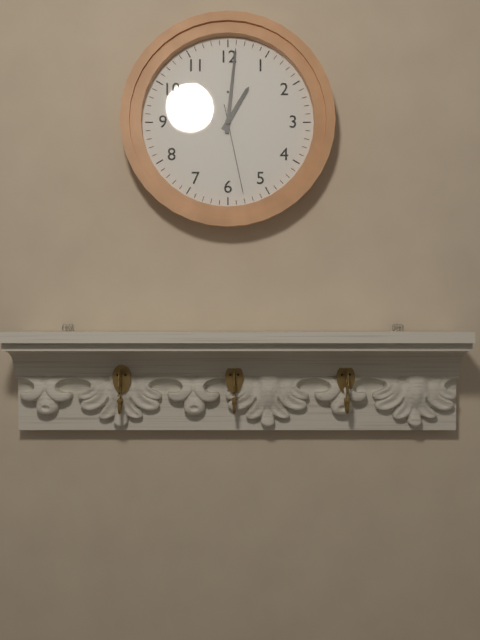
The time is 1h01m28s
